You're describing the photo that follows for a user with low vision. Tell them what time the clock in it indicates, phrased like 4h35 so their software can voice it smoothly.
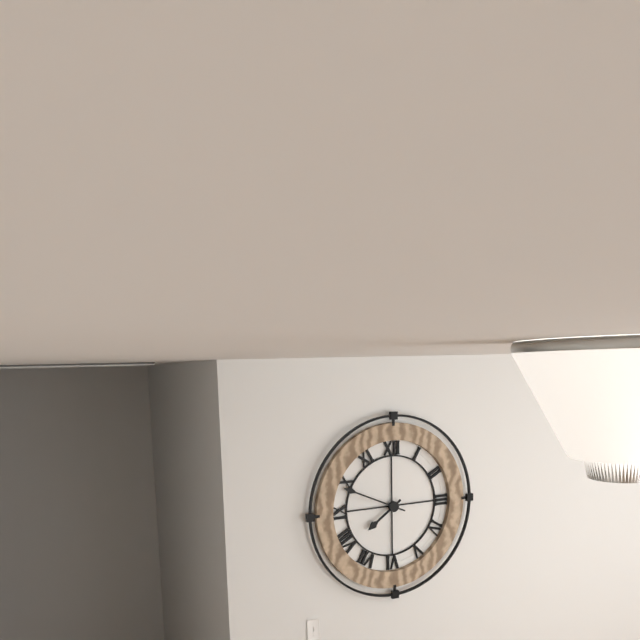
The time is 7h49
